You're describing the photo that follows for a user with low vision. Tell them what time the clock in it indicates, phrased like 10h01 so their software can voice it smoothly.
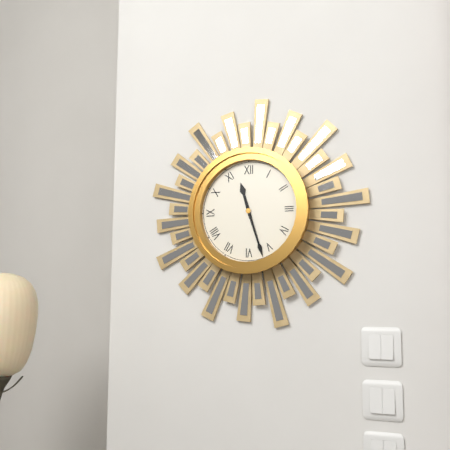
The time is 11h27
